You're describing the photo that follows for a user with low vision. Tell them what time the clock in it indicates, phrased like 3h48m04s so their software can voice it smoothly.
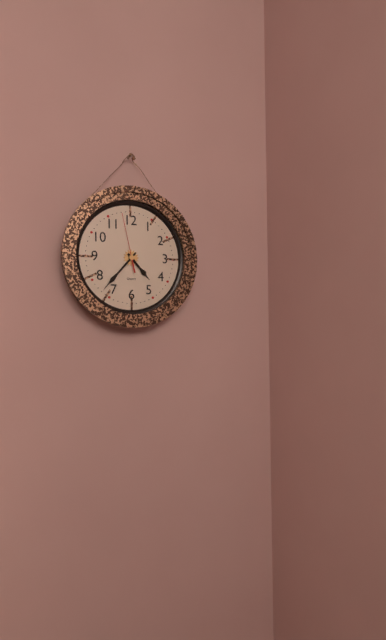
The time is 4h37m58s
